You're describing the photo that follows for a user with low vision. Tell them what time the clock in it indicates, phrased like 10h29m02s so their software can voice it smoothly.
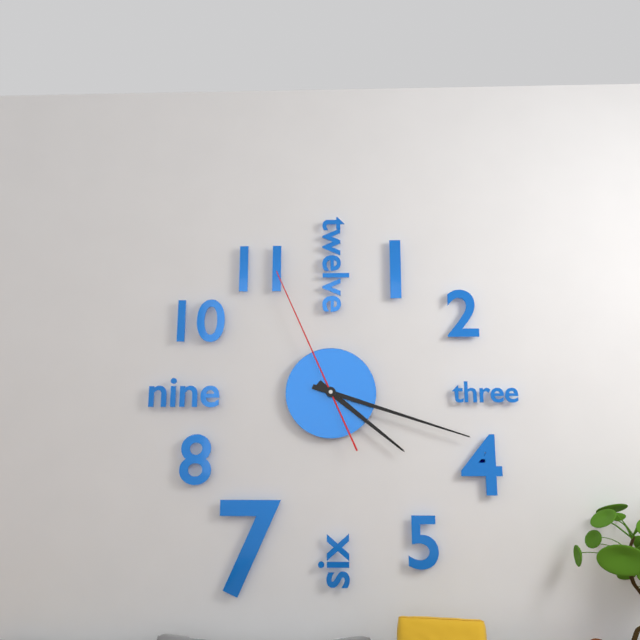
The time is 4h18m56s
